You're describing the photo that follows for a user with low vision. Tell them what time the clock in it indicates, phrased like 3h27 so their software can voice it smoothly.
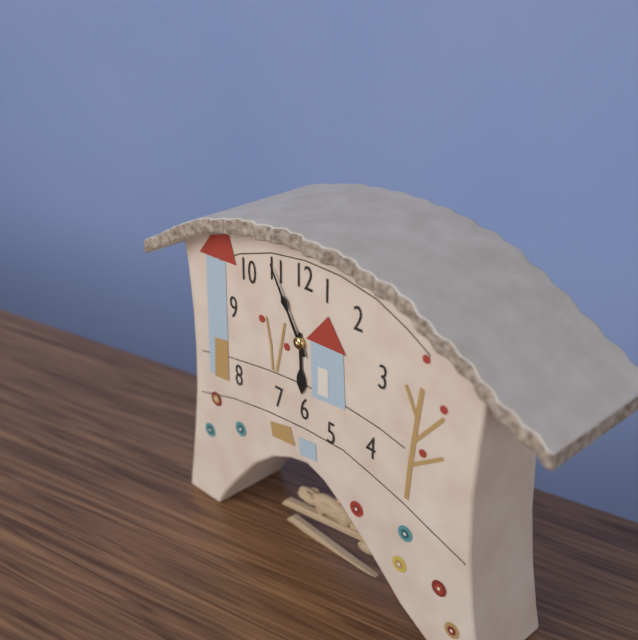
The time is 5h55
